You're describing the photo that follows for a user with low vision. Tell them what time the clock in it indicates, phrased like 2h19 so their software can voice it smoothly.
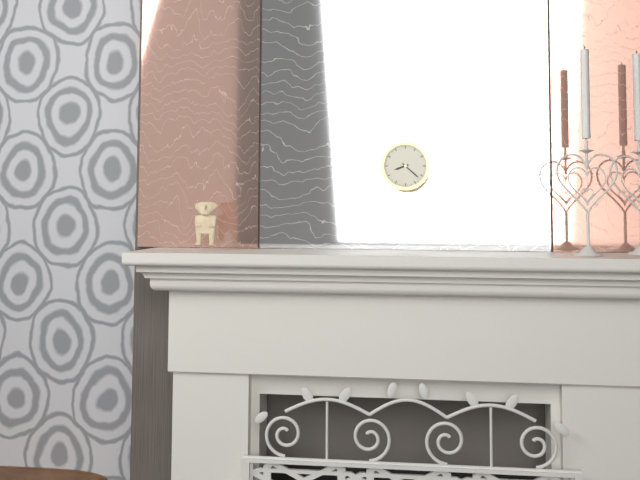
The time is 8h22
